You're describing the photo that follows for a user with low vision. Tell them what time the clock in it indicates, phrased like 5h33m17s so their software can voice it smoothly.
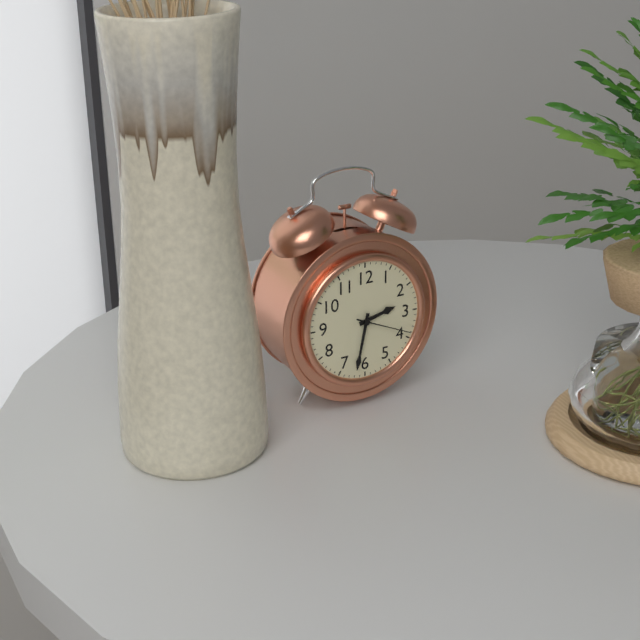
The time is 2h32m19s
